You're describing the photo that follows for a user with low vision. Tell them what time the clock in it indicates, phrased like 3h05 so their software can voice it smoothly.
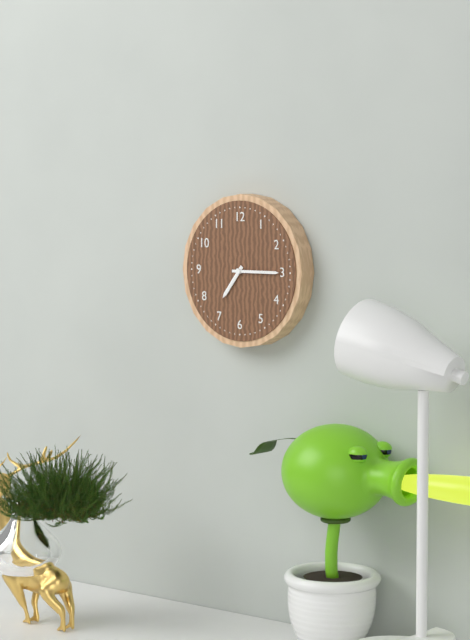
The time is 7h15
